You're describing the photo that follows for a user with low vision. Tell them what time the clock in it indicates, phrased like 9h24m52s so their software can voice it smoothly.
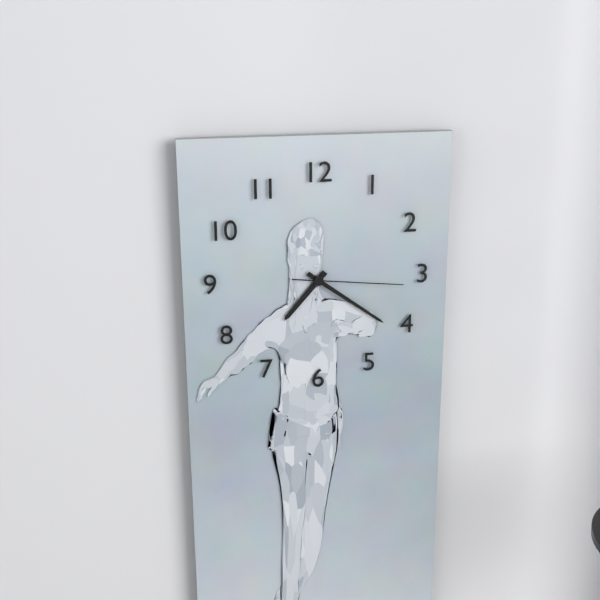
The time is 7h21m16s
